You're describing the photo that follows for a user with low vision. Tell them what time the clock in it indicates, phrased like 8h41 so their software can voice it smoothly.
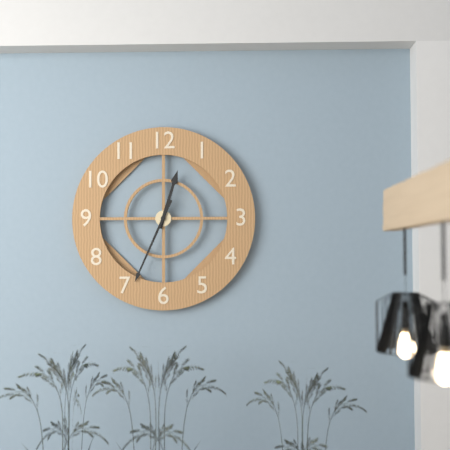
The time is 12h34
